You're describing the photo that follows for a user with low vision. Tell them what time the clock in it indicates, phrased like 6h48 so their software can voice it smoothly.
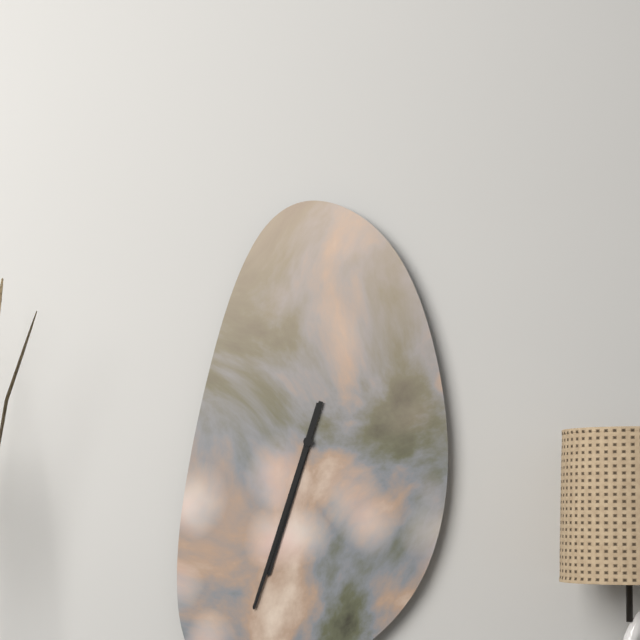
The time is 6h33
